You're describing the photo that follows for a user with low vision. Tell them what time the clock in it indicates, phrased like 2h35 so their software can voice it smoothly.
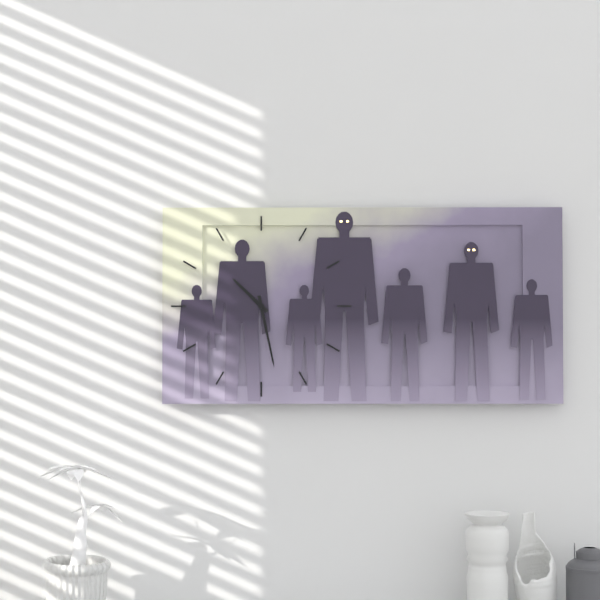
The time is 10h28
